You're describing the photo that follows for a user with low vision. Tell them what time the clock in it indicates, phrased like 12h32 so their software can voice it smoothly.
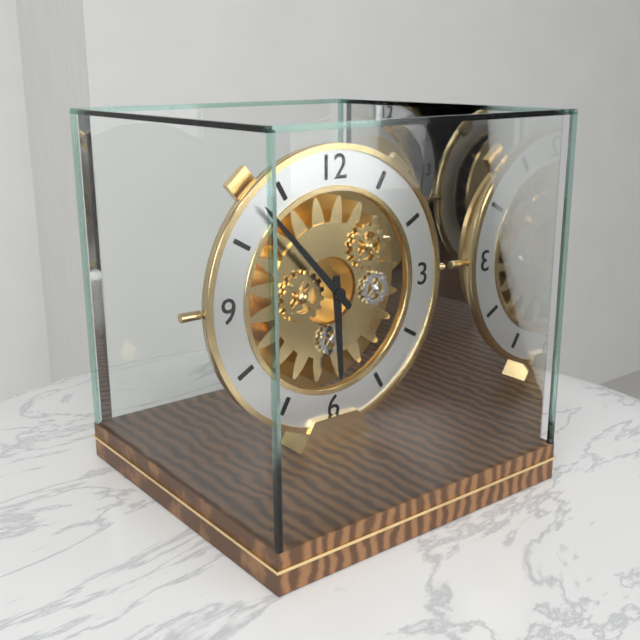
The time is 5h53
